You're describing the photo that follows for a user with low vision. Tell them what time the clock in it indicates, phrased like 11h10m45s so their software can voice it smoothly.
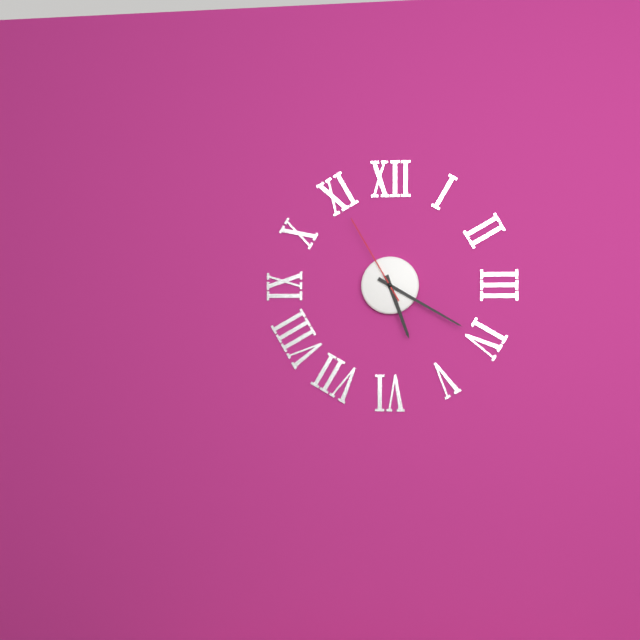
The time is 5h20m55s
